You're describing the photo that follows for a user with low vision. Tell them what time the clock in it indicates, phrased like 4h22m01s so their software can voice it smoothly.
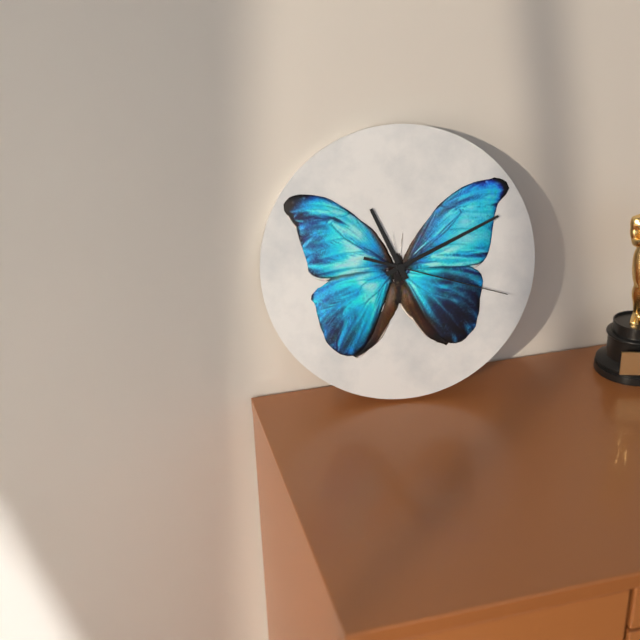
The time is 11h11m18s
